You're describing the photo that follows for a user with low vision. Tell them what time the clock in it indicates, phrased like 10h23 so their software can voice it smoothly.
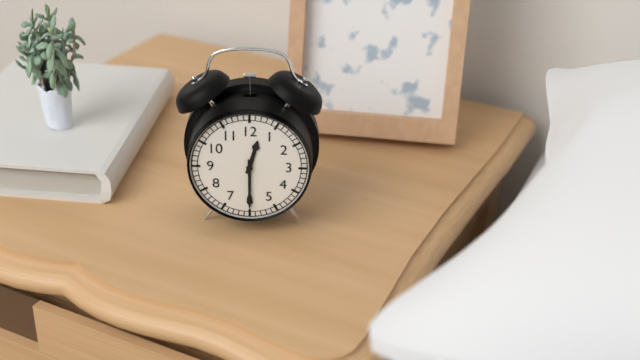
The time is 12h30
